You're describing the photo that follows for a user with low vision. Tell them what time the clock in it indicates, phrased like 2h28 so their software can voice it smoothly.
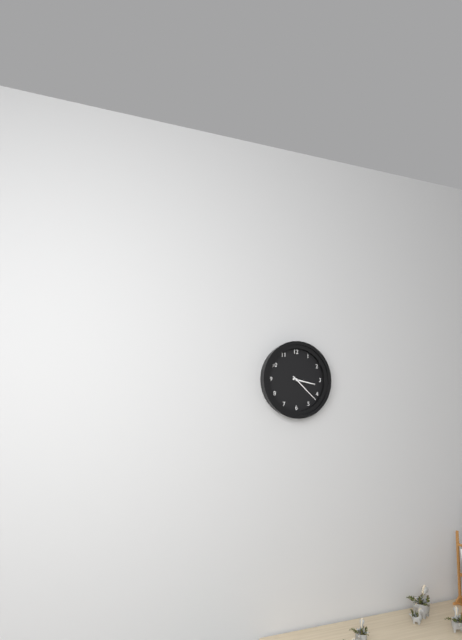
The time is 3h22
